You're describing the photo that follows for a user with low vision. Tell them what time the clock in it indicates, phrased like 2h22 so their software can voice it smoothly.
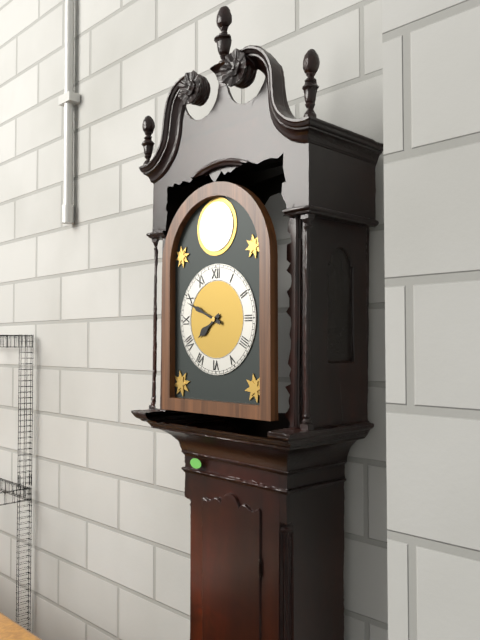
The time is 7h49
